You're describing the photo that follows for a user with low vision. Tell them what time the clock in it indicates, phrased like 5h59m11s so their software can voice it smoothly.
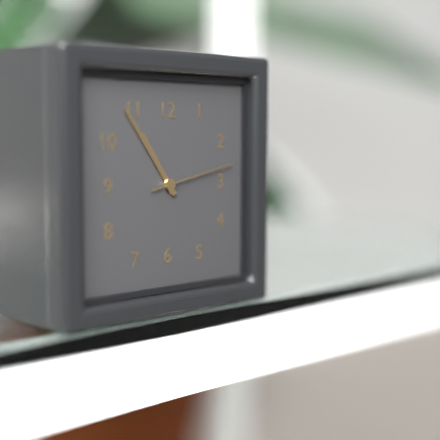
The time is 10h54m13s
